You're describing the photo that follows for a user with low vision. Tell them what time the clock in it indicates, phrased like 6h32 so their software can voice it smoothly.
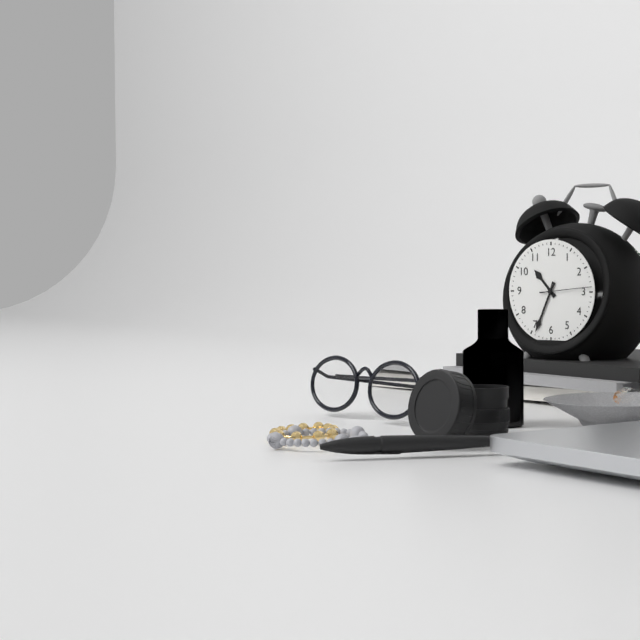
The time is 10h34
